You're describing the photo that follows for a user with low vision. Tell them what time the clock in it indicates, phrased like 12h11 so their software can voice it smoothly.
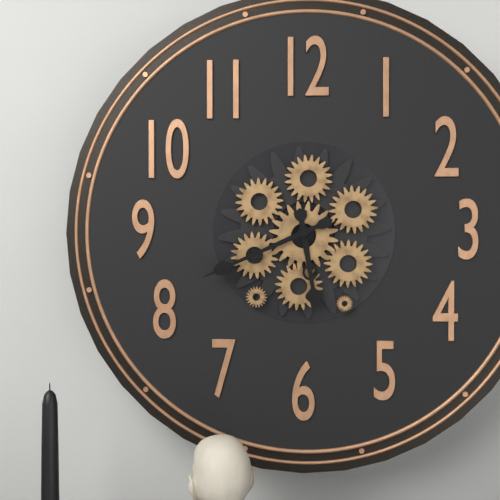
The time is 5h41
